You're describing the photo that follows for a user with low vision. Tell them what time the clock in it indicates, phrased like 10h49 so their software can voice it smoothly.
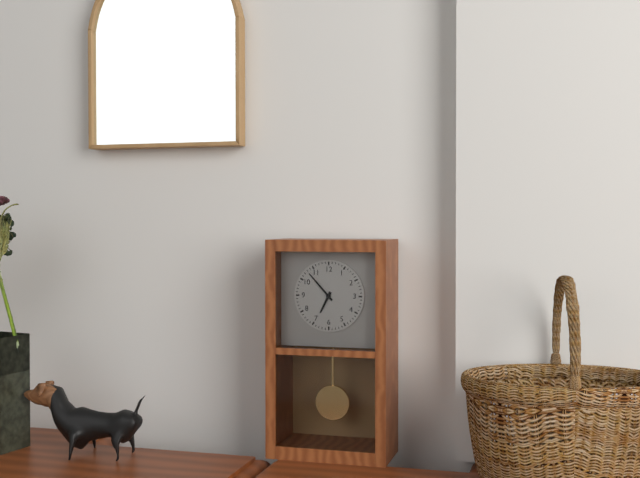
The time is 6h53
